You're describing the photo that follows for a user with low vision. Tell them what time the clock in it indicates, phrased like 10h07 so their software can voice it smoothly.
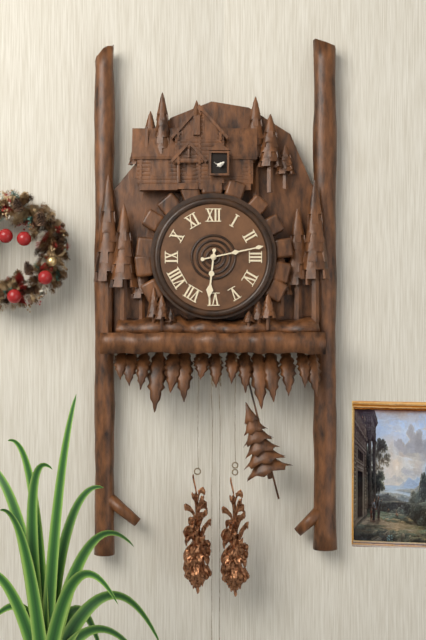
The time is 6h13
